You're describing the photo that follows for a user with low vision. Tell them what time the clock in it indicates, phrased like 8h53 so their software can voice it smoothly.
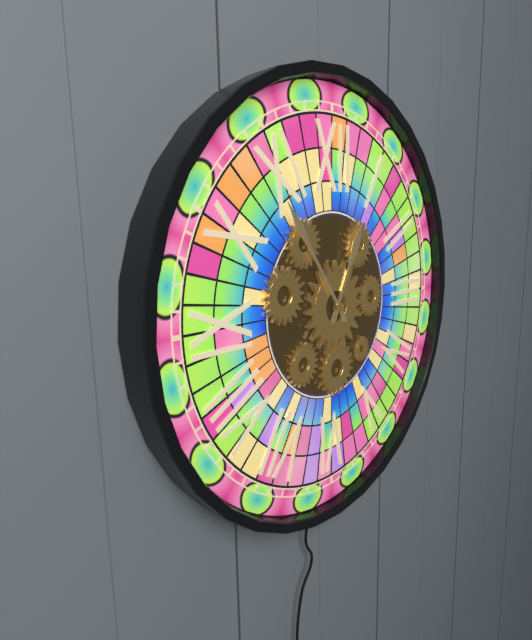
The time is 12h54
